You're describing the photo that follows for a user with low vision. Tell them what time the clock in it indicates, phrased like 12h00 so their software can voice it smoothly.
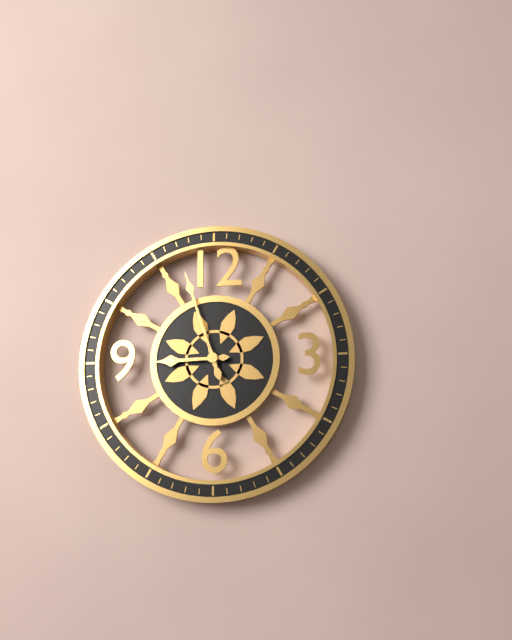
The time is 8h57
